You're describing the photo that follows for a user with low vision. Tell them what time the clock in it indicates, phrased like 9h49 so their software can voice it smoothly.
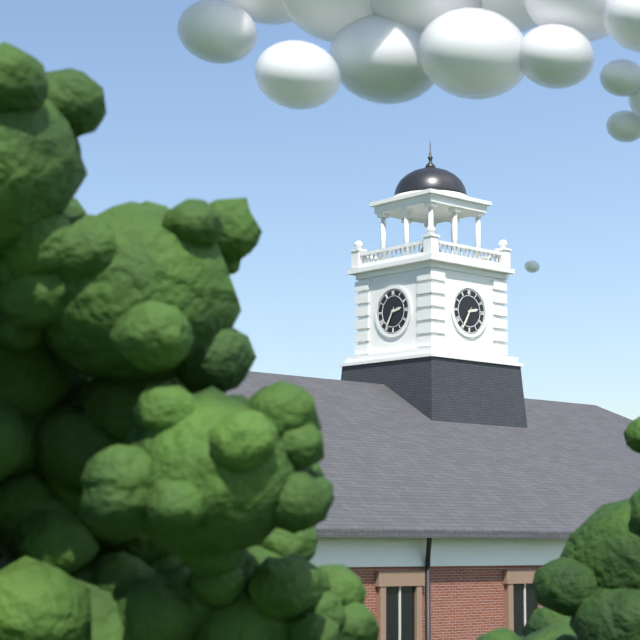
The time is 2h35
